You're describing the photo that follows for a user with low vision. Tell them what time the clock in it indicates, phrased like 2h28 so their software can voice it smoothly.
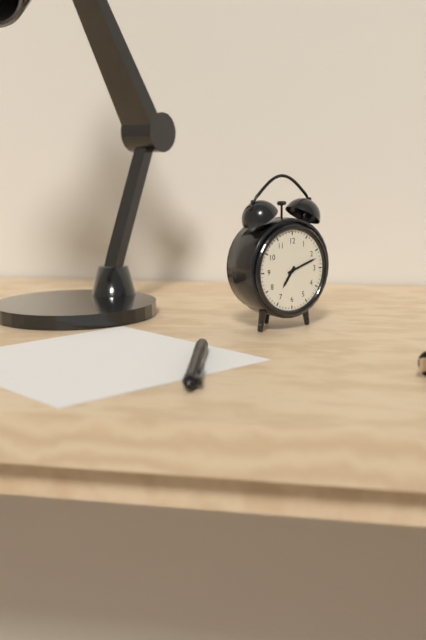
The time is 7h12
